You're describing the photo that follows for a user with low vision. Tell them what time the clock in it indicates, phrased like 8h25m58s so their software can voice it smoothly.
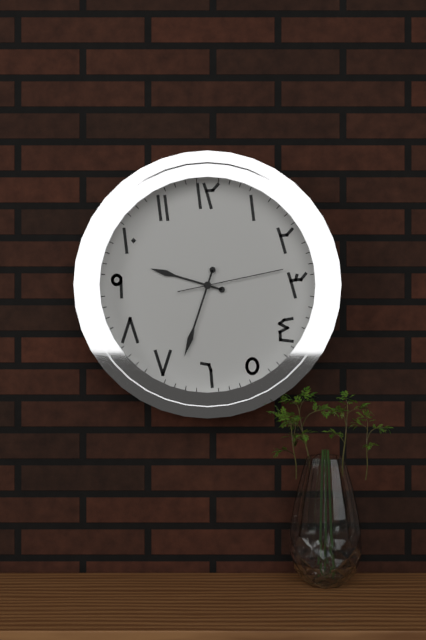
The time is 9h33m13s
